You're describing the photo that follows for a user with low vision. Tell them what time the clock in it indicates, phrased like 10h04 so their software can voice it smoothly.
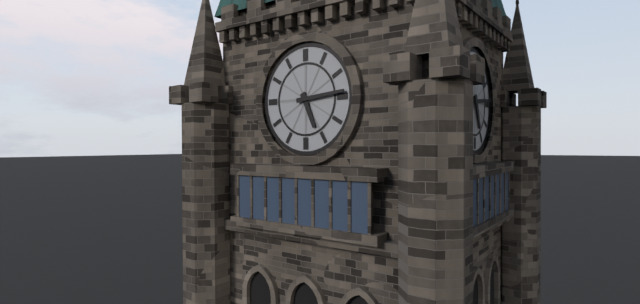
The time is 5h14
